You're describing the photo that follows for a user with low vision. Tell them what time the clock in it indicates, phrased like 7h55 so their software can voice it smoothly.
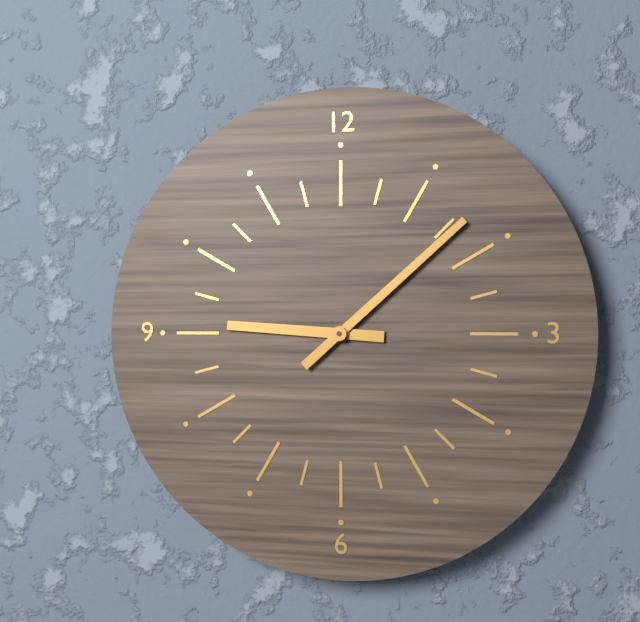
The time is 9h08
